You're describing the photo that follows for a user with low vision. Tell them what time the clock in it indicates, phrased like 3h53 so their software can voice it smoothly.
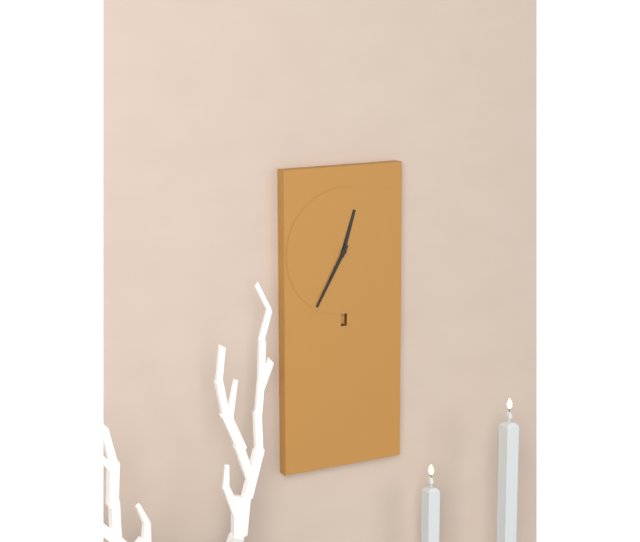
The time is 12h35
